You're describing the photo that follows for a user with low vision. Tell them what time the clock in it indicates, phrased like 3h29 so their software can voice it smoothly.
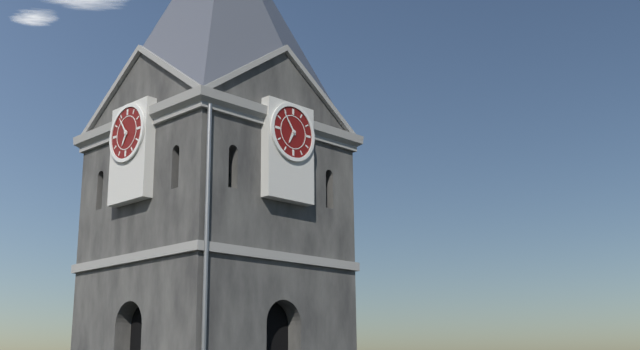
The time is 6h54
